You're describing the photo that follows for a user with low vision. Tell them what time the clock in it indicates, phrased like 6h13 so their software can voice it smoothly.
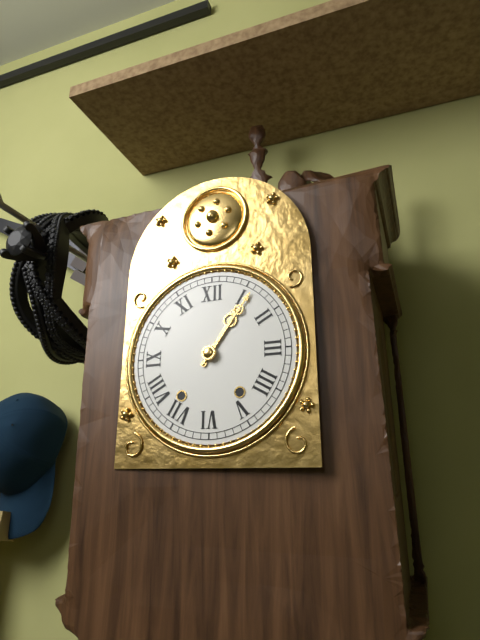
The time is 1h06
